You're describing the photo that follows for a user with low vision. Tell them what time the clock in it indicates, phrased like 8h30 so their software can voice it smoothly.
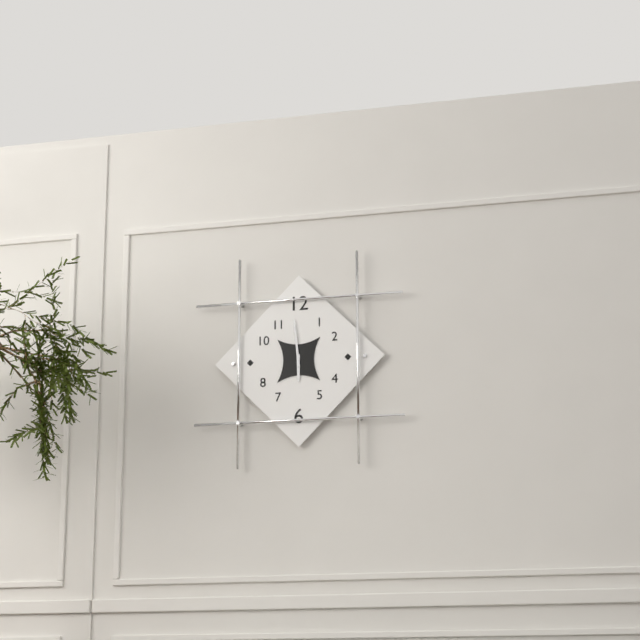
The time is 5h59
